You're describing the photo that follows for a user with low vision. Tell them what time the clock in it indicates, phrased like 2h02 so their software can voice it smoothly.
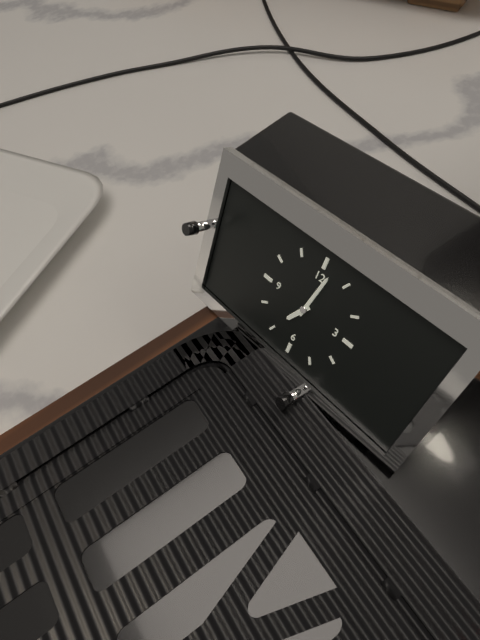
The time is 7h02
